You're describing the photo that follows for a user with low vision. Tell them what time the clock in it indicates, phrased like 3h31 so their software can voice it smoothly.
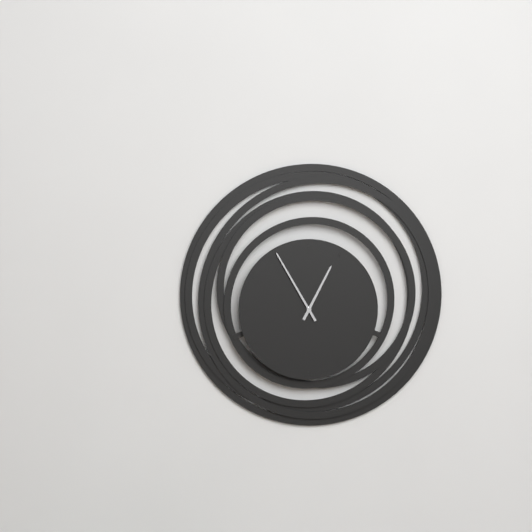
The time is 12h55
